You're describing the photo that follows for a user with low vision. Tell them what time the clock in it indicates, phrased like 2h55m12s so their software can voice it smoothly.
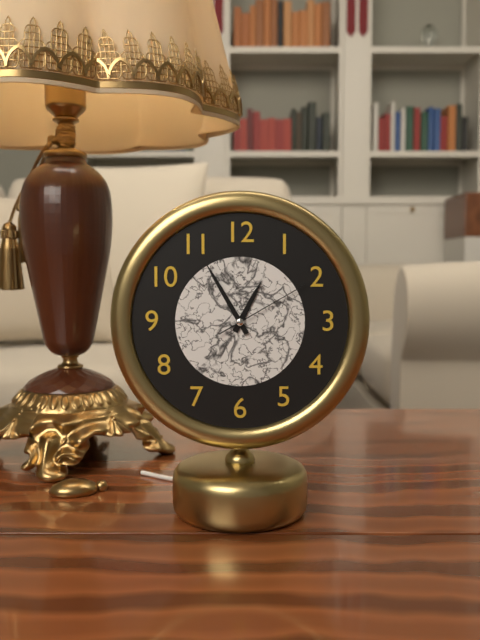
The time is 12h55m10s
